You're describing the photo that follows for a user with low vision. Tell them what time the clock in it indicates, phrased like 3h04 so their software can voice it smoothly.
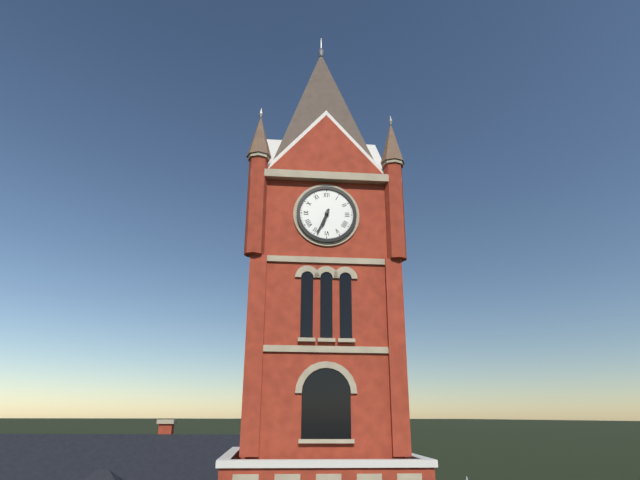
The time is 6h34
